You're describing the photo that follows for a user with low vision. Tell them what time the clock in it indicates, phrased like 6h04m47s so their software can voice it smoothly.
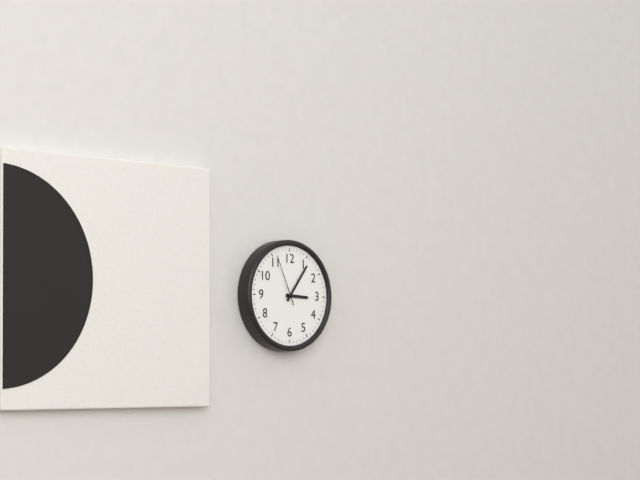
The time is 3h06m56s
